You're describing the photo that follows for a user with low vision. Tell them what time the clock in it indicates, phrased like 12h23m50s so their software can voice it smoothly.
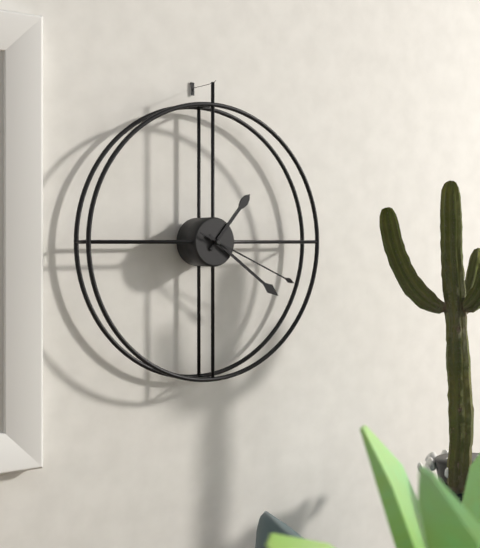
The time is 1h21m19s
